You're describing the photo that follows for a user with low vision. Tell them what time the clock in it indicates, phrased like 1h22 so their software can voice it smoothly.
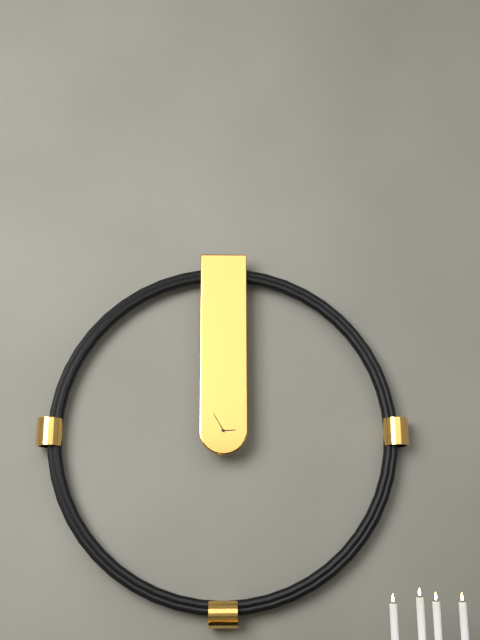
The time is 2h55
